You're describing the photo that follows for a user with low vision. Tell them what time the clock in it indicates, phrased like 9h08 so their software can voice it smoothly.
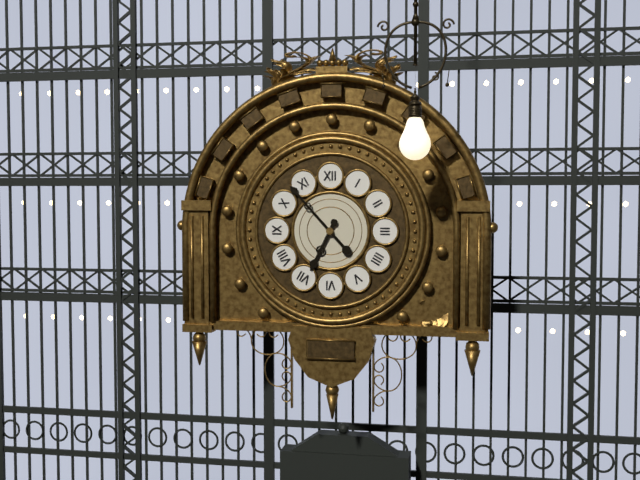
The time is 6h53
